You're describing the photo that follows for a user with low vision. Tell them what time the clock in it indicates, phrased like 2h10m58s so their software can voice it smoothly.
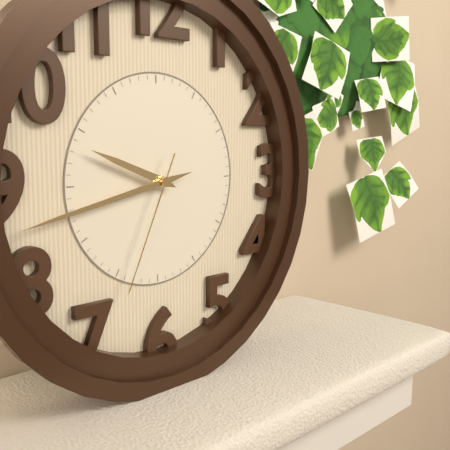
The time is 9h43m34s
